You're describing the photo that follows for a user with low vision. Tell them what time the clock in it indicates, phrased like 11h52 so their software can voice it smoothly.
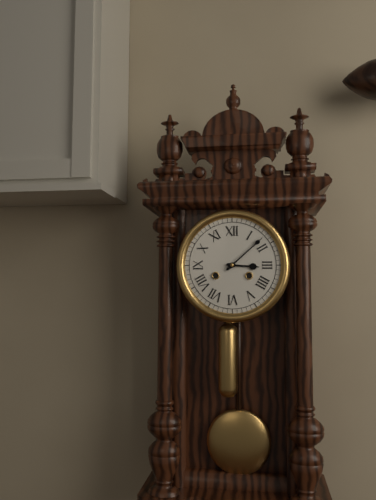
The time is 3h08
